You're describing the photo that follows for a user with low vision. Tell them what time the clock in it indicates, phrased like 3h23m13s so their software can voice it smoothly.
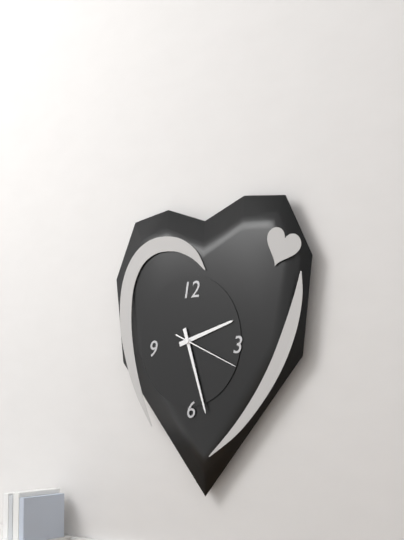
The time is 2h27m19s
